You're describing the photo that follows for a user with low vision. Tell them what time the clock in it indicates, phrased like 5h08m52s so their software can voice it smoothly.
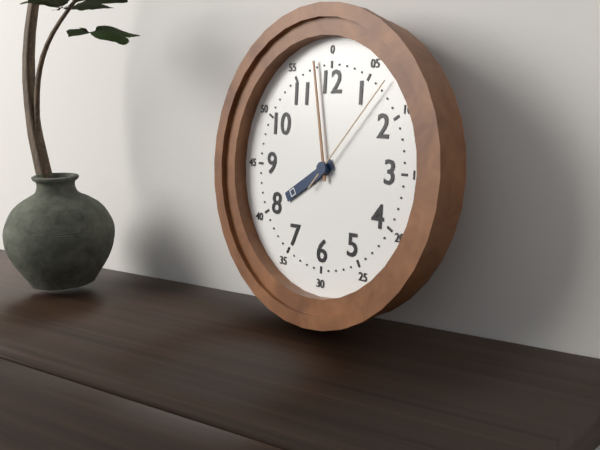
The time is 7h58m07s
